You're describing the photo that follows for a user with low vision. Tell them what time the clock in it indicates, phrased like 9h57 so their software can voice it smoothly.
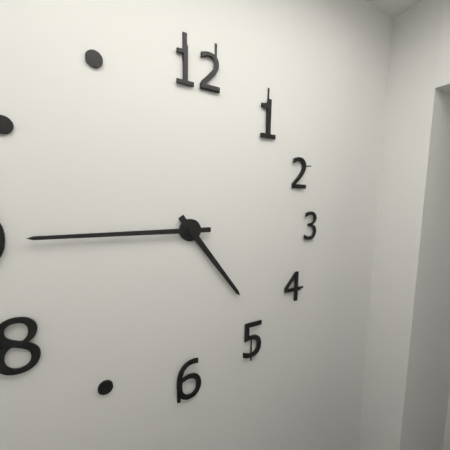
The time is 4h45
